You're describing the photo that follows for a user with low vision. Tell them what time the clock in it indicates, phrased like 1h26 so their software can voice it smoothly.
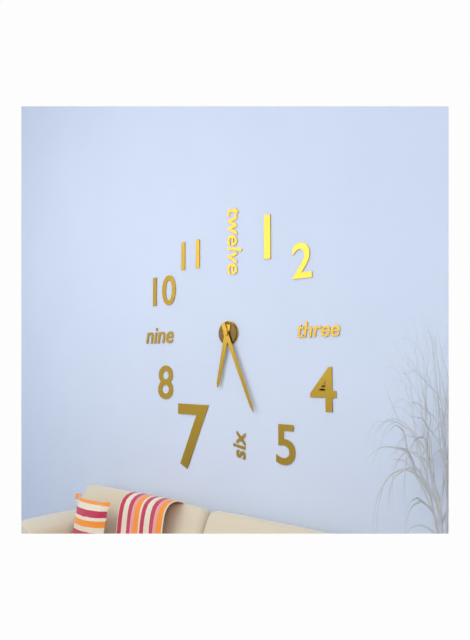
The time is 6h26
